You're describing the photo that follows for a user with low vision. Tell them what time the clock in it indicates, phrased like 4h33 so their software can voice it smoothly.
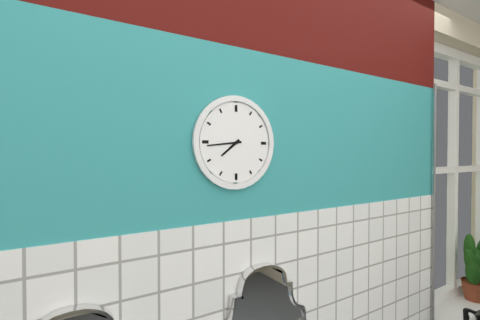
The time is 7h44
